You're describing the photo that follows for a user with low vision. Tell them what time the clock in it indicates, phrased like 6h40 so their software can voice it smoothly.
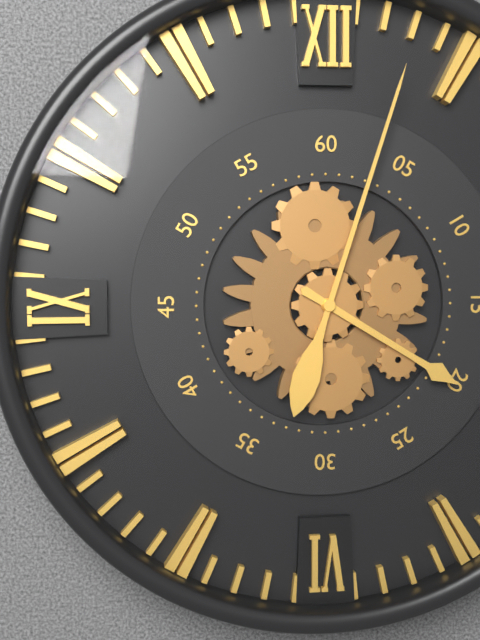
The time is 4h03
